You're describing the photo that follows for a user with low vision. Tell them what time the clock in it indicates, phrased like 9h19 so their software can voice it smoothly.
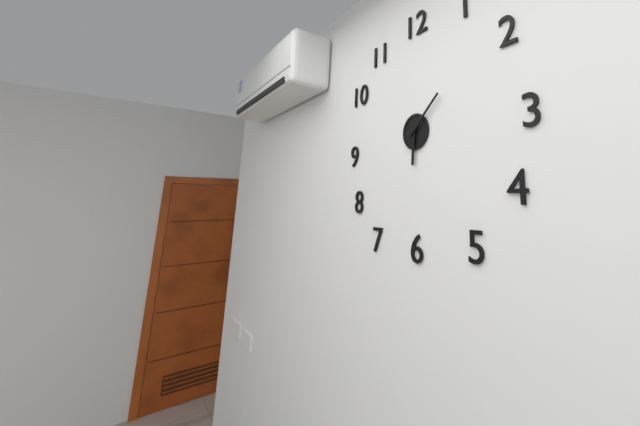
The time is 6h08
